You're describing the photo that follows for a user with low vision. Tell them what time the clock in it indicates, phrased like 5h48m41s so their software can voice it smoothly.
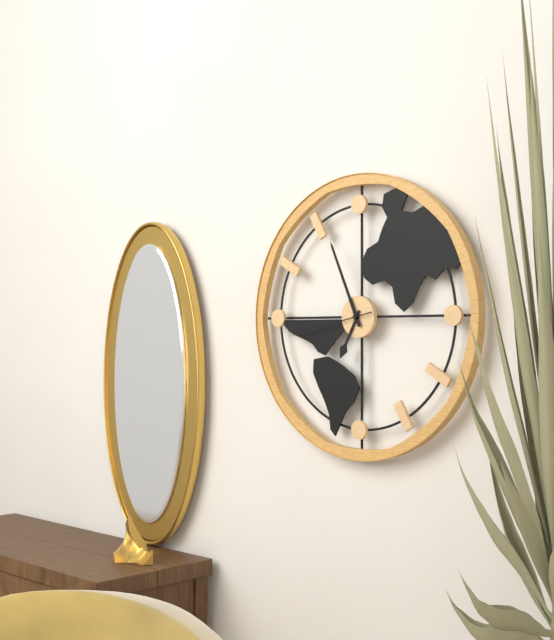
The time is 6h56m43s
